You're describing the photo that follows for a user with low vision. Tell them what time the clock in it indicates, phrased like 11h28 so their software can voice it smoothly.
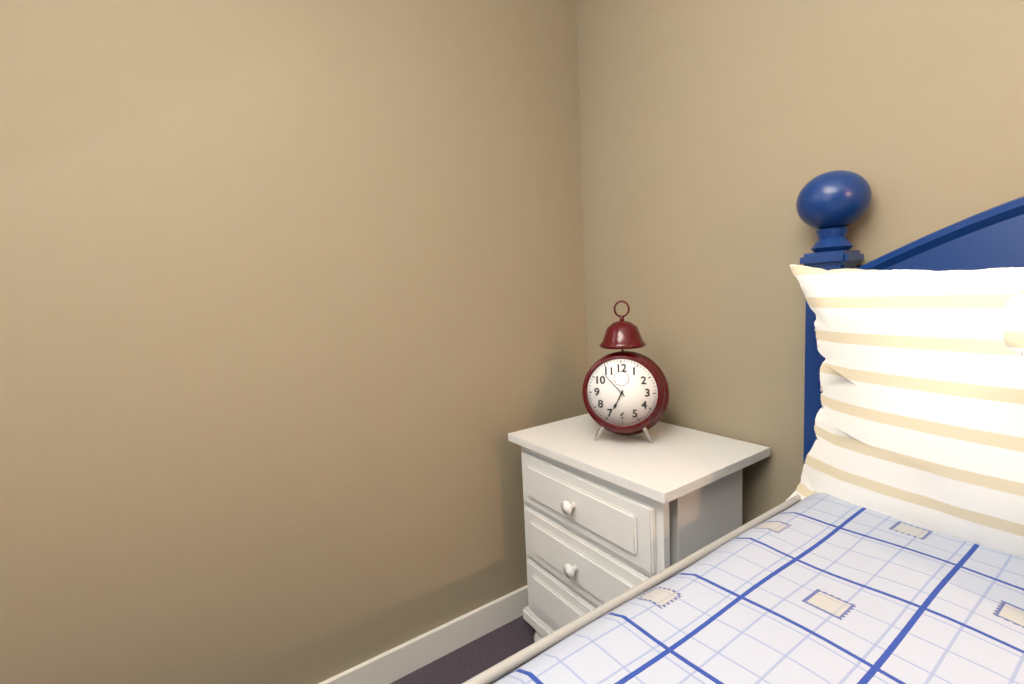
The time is 6h53
